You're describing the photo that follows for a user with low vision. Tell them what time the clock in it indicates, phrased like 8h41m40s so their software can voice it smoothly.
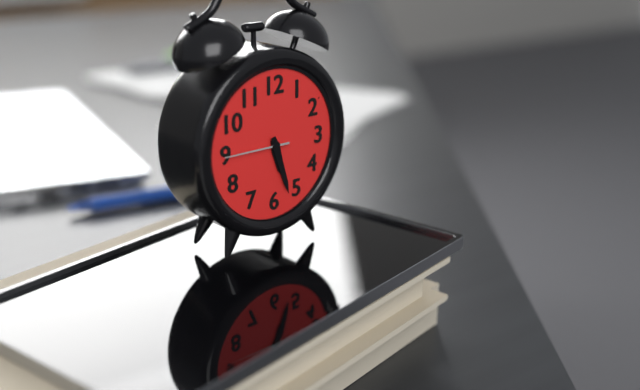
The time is 5h27m45s
